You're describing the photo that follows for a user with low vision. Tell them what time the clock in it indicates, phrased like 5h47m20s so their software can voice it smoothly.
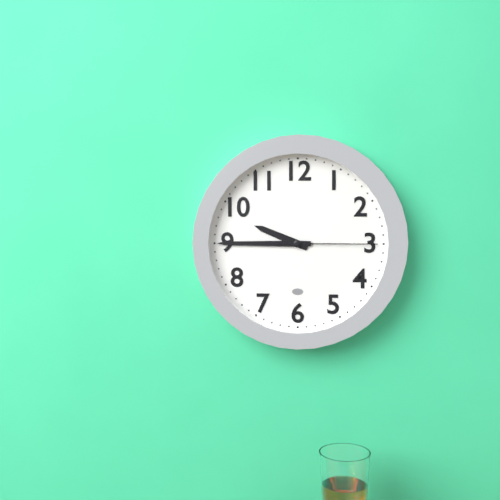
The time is 9h45m15s
